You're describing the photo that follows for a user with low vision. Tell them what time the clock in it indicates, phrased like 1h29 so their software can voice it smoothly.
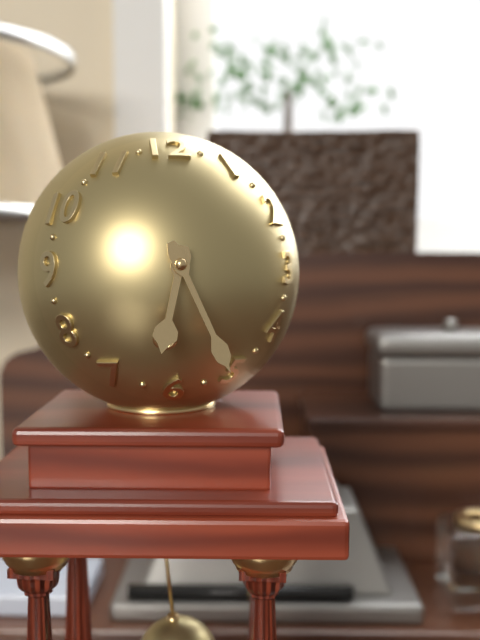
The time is 6h26
